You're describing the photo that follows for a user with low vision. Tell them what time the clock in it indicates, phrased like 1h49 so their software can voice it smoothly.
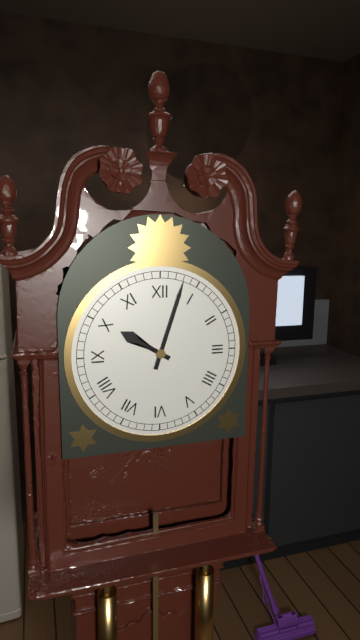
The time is 10h03
